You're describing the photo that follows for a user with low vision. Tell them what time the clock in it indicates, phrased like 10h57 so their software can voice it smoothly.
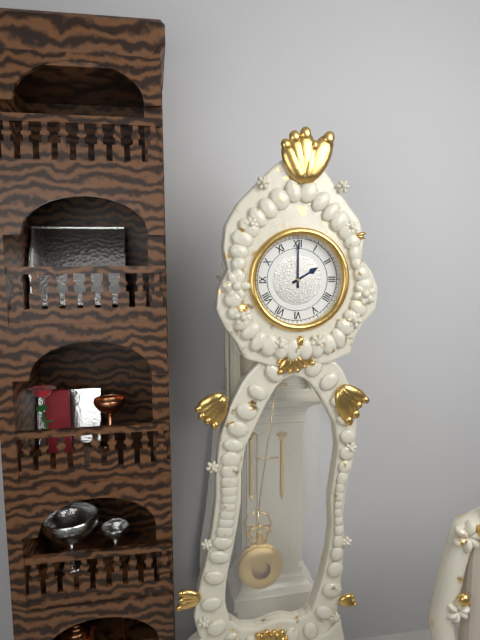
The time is 2h00
